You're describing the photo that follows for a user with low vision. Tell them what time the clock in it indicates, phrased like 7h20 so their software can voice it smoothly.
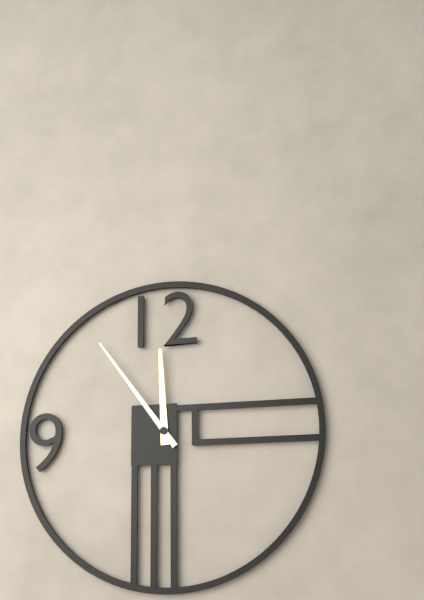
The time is 11h54
